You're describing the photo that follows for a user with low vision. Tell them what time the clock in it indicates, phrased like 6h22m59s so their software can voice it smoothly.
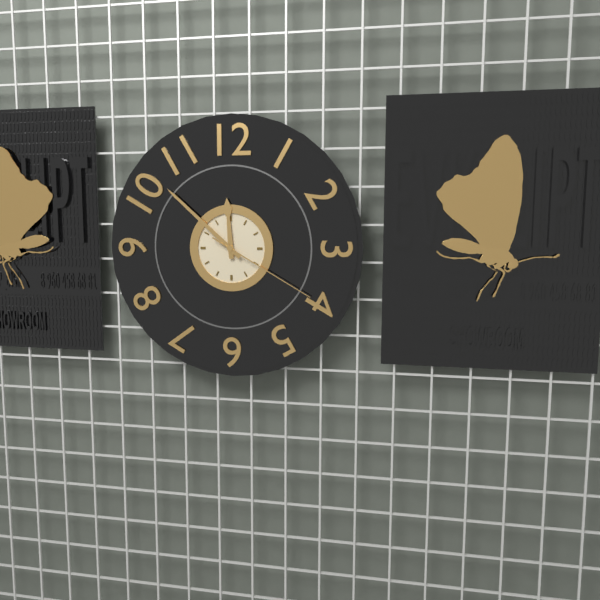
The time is 11h52m20s
